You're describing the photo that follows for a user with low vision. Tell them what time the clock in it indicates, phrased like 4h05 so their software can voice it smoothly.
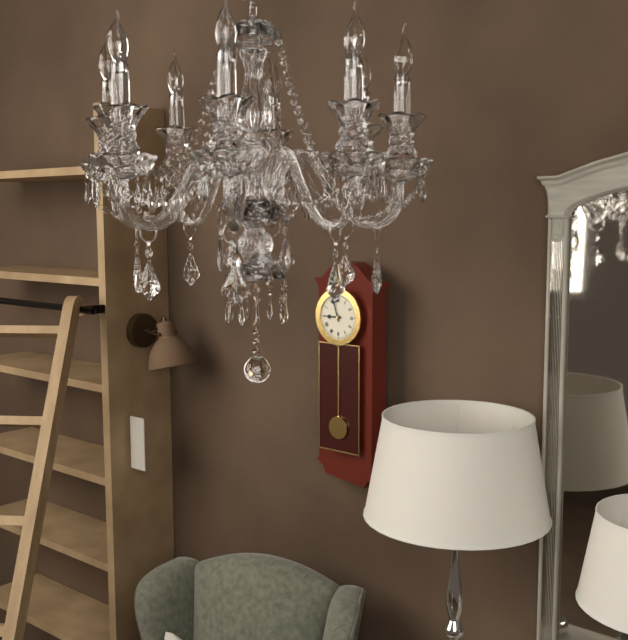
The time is 8h57
